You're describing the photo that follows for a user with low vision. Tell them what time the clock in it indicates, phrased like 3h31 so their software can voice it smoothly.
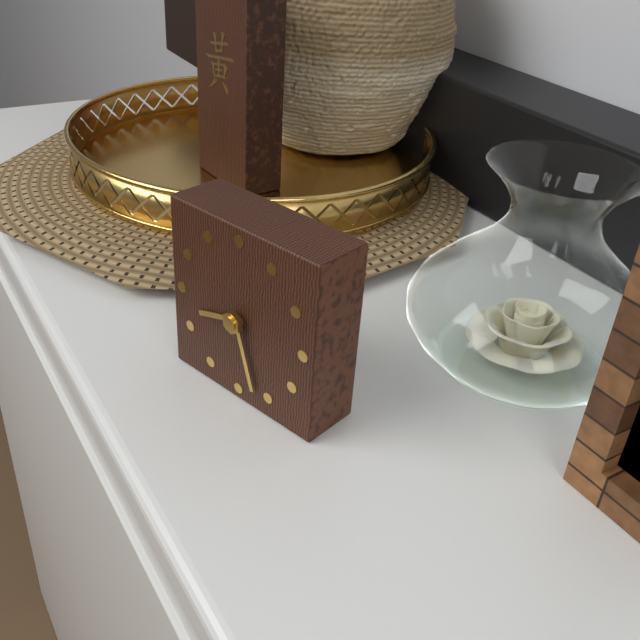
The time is 8h27
